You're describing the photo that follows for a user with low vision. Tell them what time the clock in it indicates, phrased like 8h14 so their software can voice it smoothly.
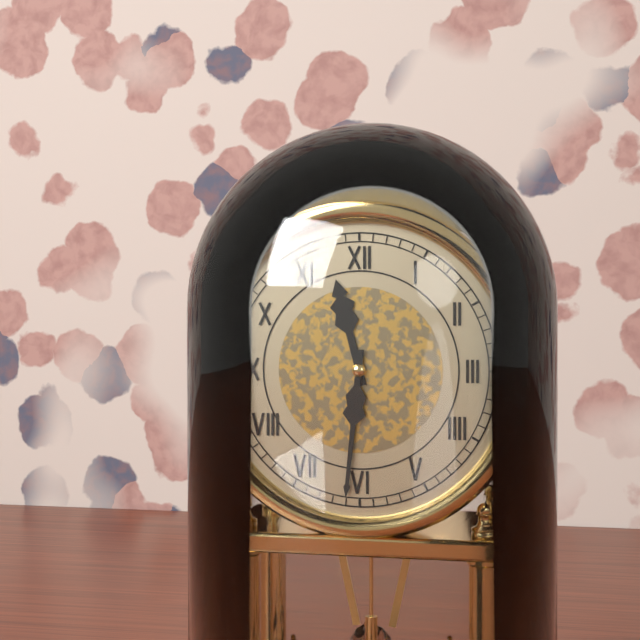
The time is 11h31
